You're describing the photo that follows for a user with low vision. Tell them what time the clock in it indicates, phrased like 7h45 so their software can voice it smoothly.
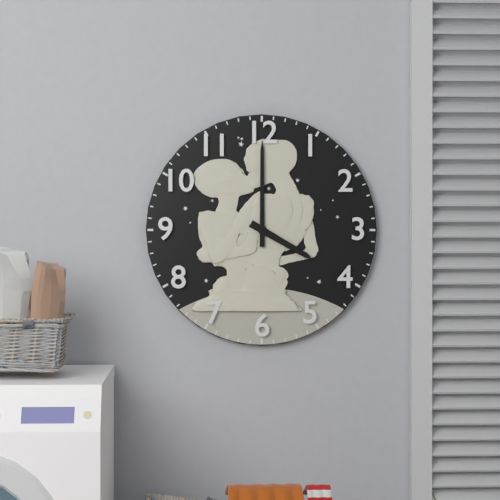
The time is 4h00
